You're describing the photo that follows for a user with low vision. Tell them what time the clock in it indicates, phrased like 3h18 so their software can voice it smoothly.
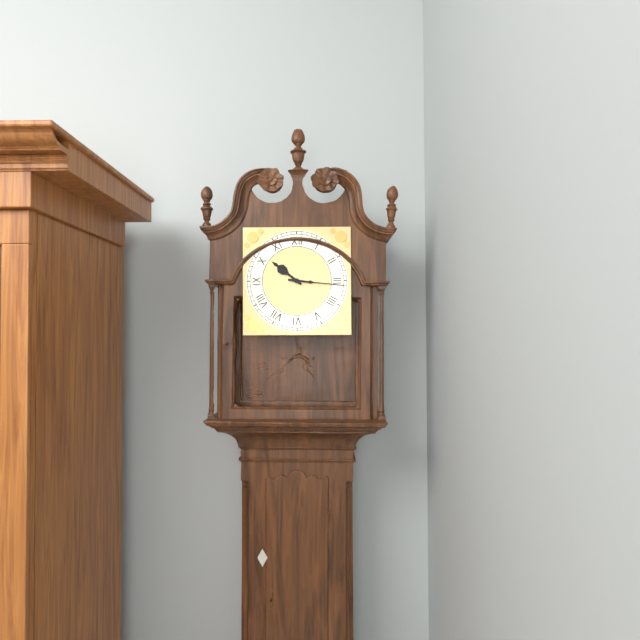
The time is 10h16
